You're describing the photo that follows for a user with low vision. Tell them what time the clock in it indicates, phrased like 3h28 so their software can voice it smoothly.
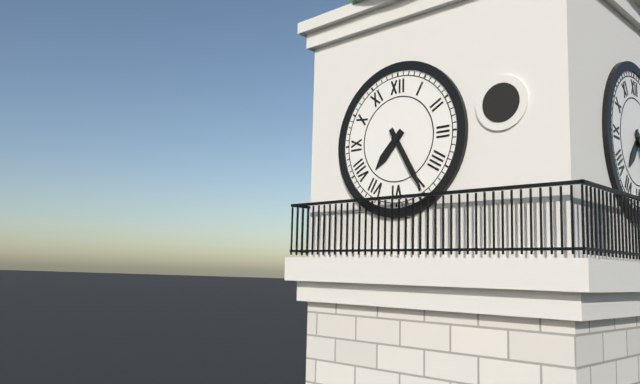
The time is 7h25
